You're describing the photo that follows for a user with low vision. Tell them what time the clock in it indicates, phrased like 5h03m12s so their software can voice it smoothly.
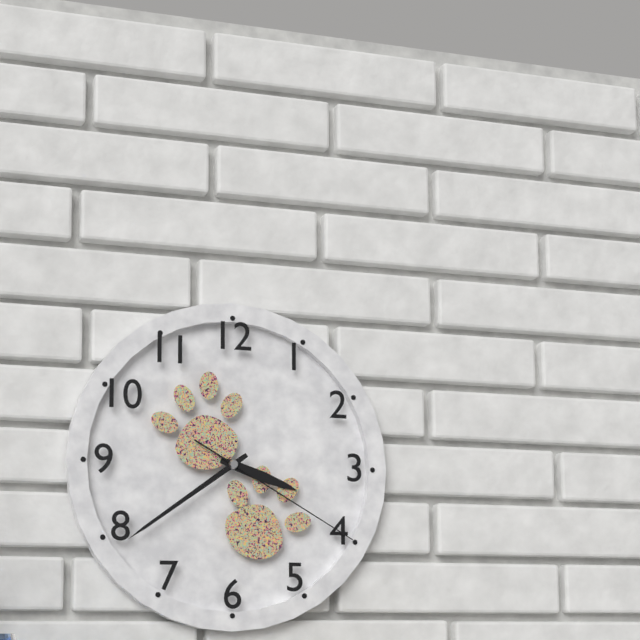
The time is 3h39m20s
